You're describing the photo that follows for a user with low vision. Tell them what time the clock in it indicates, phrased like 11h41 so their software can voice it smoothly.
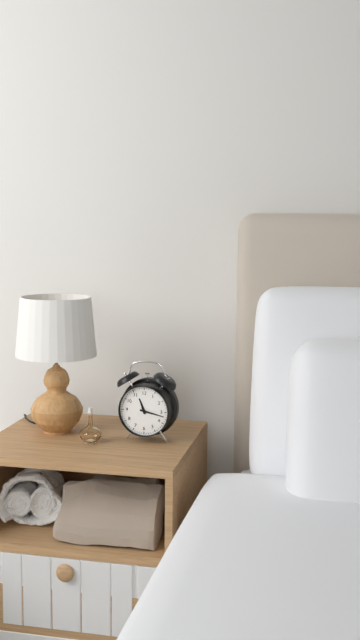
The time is 11h17
